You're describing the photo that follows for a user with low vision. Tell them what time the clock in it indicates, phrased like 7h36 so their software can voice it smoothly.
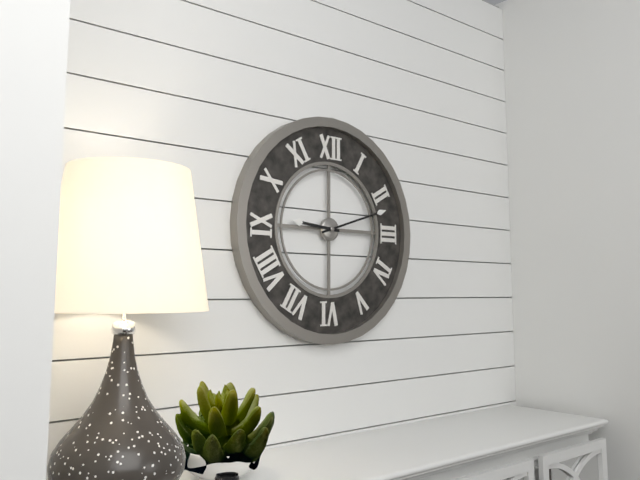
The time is 9h12
